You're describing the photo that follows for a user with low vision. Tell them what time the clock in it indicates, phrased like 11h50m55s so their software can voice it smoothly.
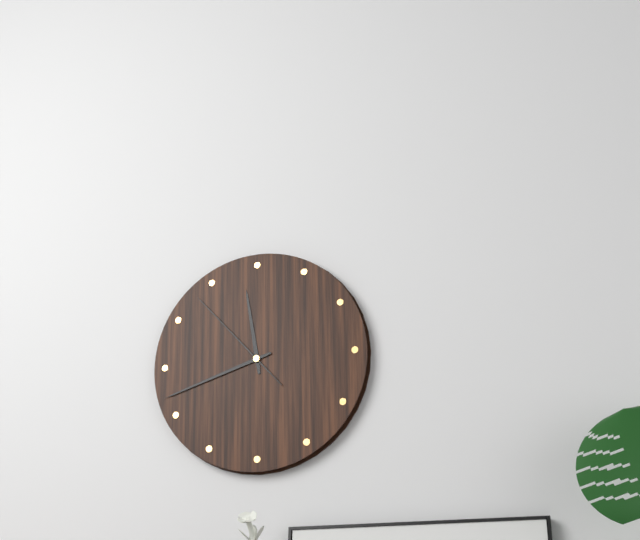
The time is 11h42m53s
